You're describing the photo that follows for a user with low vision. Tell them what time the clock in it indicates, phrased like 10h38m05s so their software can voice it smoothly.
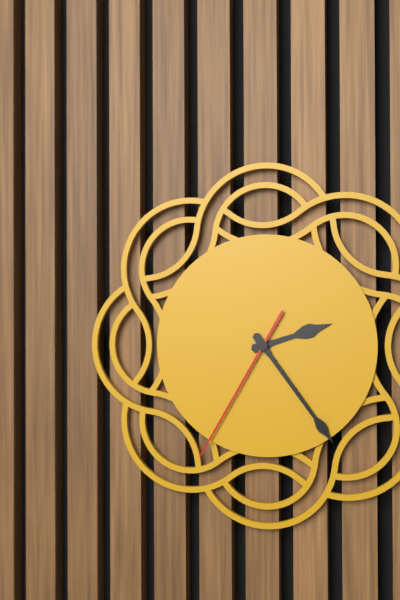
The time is 2h24m35s
